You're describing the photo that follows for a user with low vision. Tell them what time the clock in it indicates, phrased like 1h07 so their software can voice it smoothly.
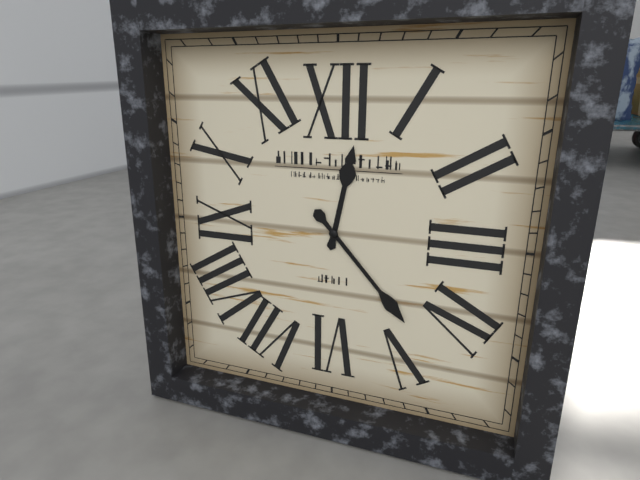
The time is 12h23
